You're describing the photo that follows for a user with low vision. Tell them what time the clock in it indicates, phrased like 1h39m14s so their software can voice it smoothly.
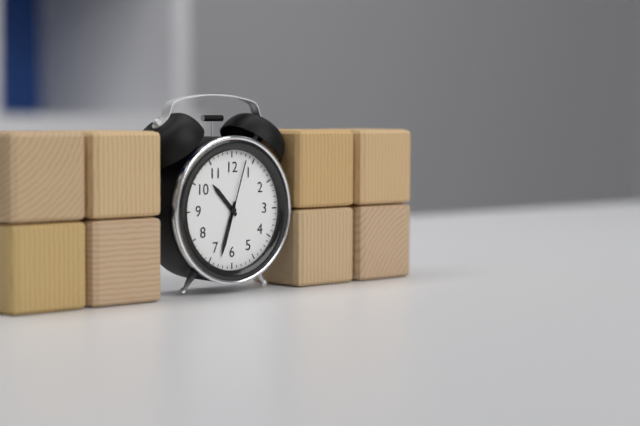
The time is 10h33m03s
